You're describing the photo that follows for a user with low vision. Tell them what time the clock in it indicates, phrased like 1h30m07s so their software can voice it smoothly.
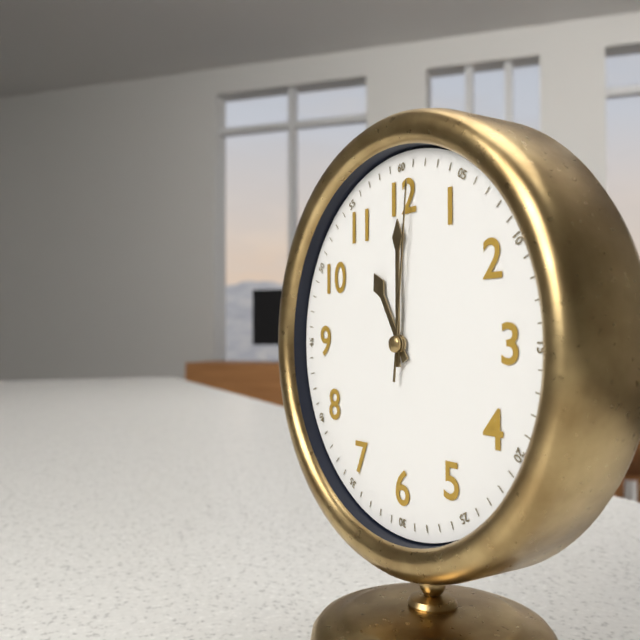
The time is 11h00m01s
